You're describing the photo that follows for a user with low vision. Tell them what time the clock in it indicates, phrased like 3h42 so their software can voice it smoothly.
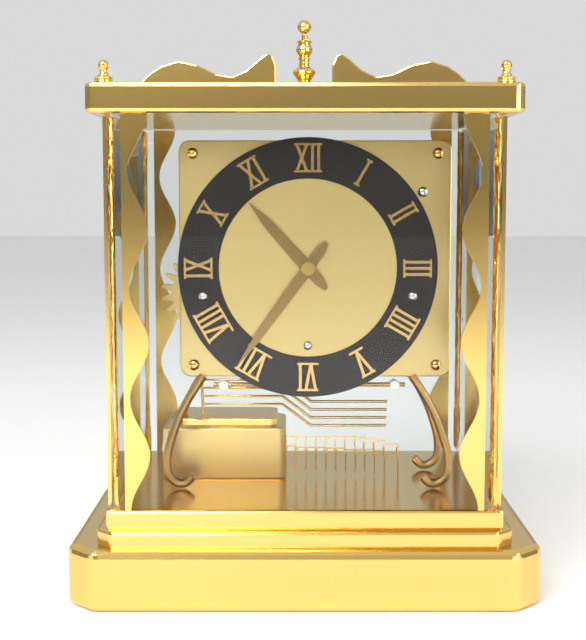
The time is 10h36
